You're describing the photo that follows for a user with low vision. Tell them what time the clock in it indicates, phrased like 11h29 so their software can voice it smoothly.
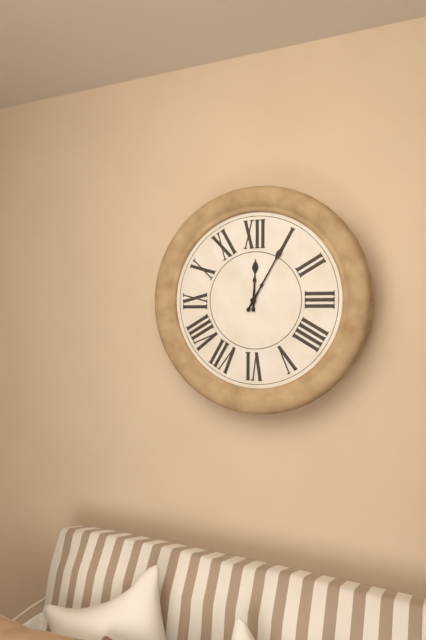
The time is 12h05
